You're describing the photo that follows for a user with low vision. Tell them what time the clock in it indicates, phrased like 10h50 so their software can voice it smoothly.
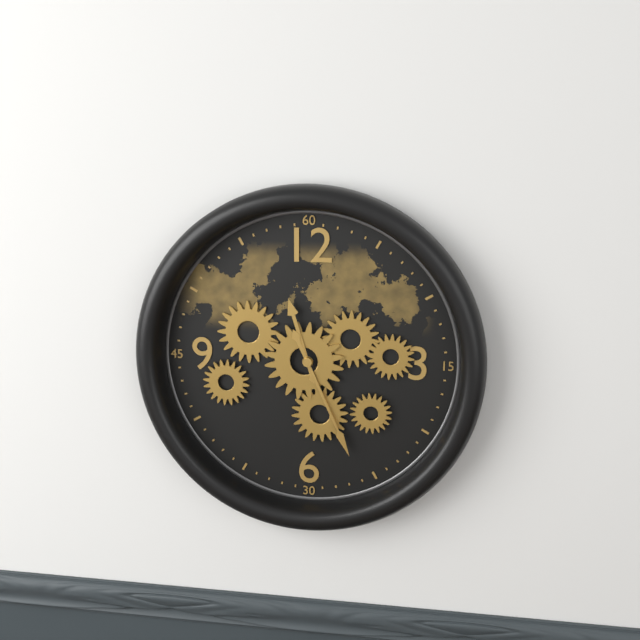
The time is 11h26
